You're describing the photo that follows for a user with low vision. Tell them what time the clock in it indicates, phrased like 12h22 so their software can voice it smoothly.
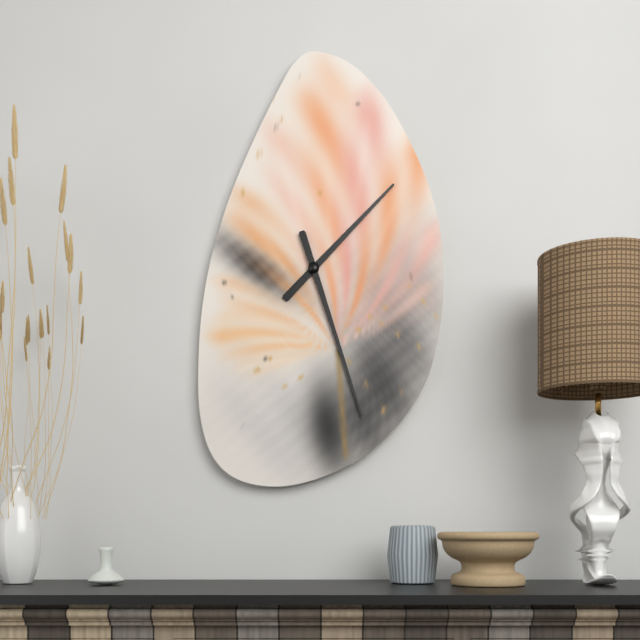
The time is 1h27
